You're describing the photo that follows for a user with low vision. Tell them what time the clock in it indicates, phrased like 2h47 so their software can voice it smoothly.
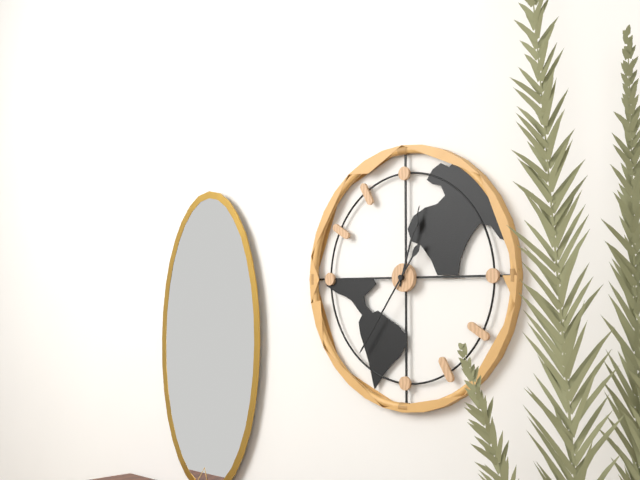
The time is 12h36
